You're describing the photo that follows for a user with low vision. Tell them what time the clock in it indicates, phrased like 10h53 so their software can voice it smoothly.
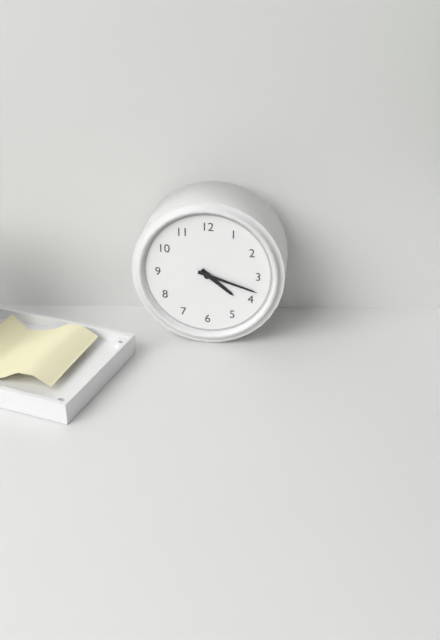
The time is 4h18
